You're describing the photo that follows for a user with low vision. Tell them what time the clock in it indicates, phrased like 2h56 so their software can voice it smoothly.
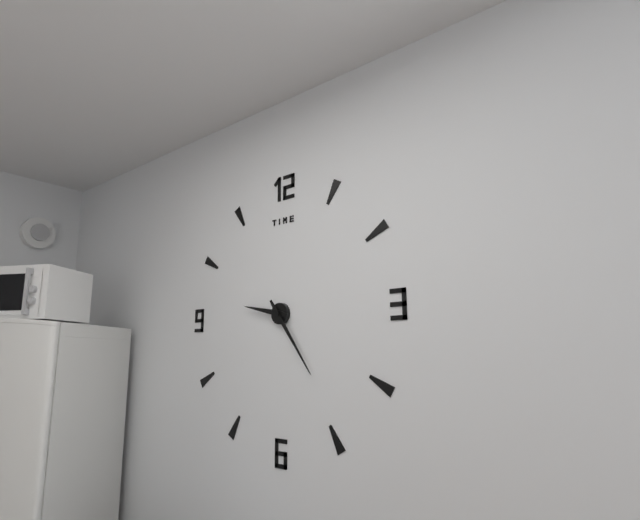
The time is 9h24
